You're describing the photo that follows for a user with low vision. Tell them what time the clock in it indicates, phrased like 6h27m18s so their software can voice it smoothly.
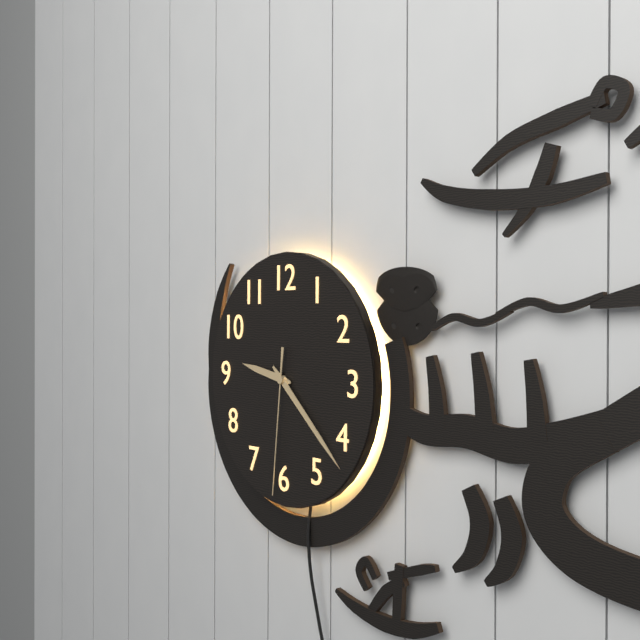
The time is 9h22m31s
